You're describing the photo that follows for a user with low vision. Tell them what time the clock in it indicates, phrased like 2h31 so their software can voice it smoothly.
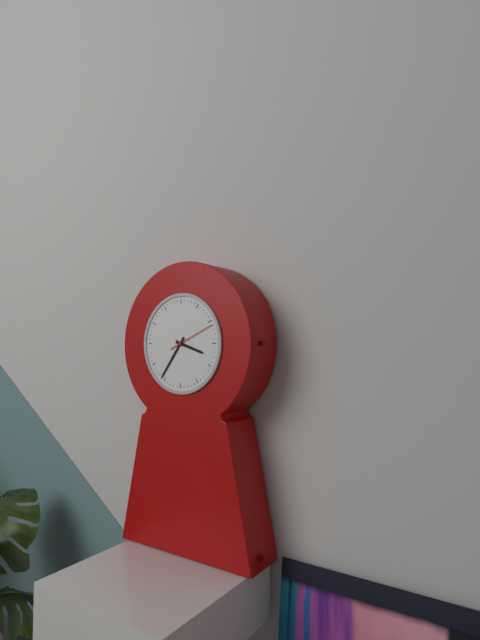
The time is 3h36
